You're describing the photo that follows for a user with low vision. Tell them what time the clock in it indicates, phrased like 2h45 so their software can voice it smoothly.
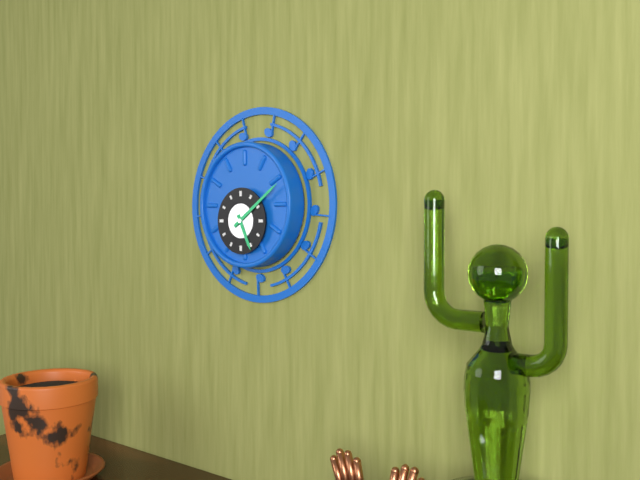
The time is 5h09
